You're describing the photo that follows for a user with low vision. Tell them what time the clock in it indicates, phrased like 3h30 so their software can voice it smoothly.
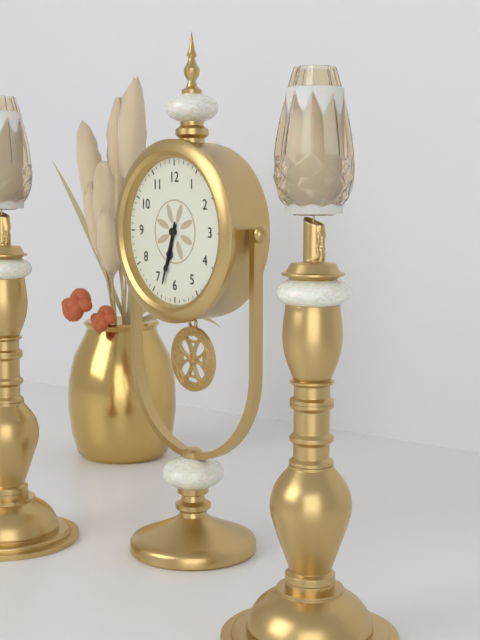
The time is 6h33
